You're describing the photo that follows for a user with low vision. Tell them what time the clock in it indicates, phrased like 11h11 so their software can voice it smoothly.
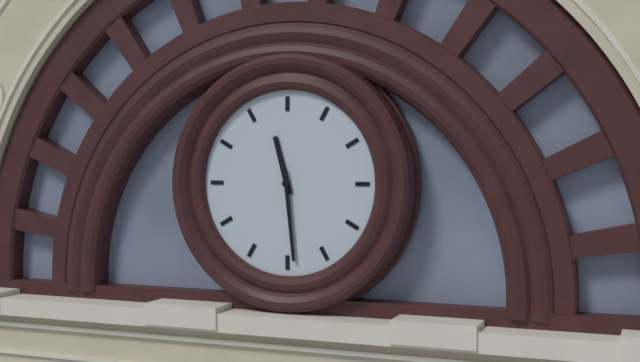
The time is 11h29
